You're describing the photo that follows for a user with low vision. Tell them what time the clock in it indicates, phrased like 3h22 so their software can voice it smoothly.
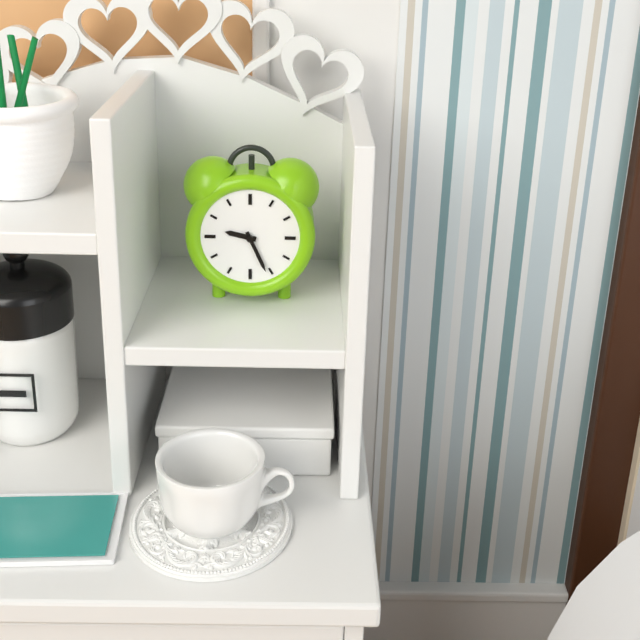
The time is 9h26
